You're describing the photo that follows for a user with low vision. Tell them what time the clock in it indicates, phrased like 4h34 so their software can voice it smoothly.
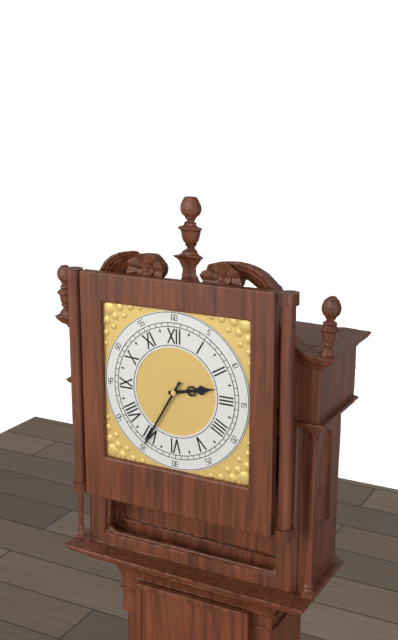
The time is 2h35
